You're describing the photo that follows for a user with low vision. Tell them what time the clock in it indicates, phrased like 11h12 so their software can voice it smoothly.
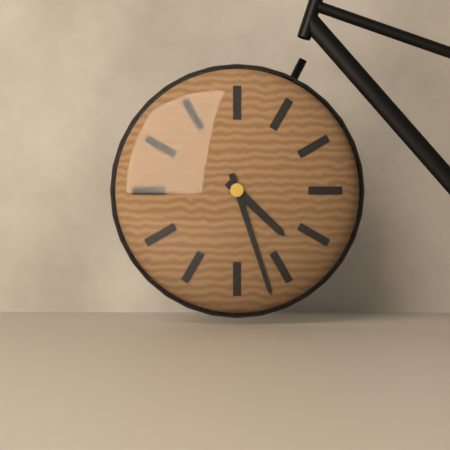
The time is 4h27
